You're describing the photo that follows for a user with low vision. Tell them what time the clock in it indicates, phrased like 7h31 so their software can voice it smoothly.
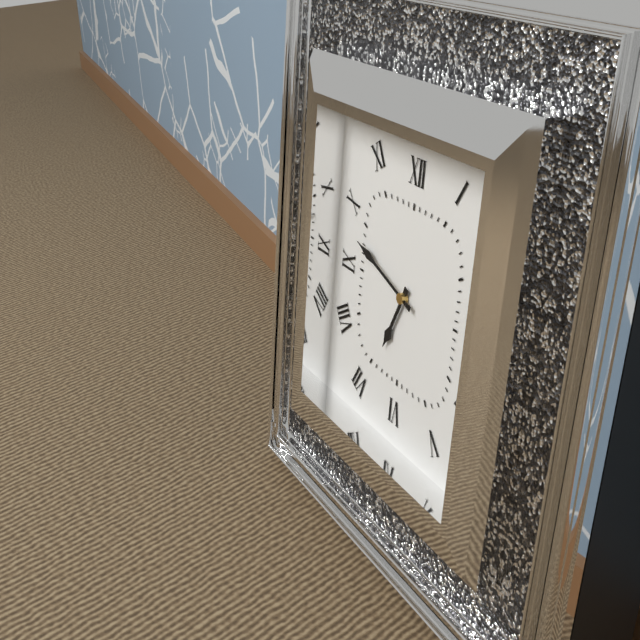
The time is 6h48
